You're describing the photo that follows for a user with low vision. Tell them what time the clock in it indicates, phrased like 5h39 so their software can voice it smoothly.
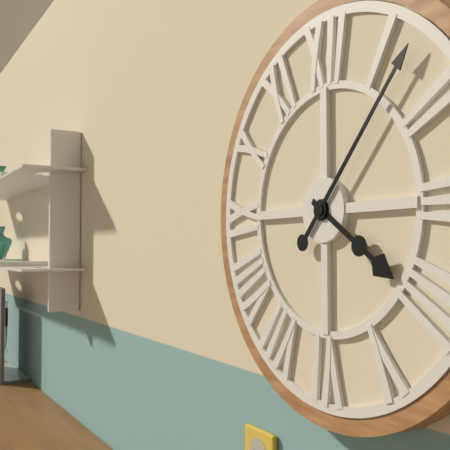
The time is 4h07
